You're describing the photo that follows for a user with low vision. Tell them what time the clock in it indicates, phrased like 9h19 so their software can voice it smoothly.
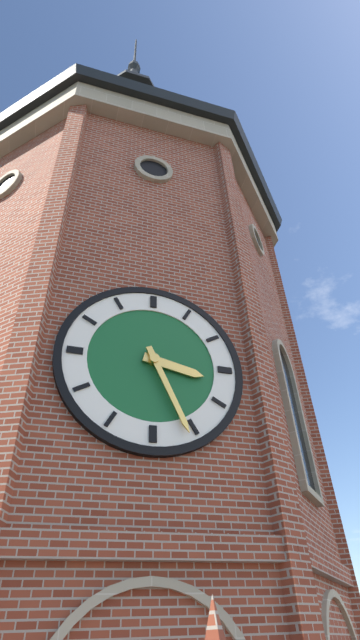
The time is 3h26
